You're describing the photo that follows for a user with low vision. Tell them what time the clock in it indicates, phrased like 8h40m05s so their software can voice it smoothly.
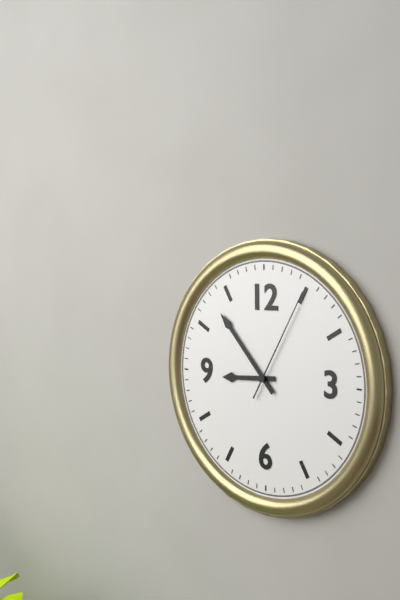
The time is 8h53m05s
